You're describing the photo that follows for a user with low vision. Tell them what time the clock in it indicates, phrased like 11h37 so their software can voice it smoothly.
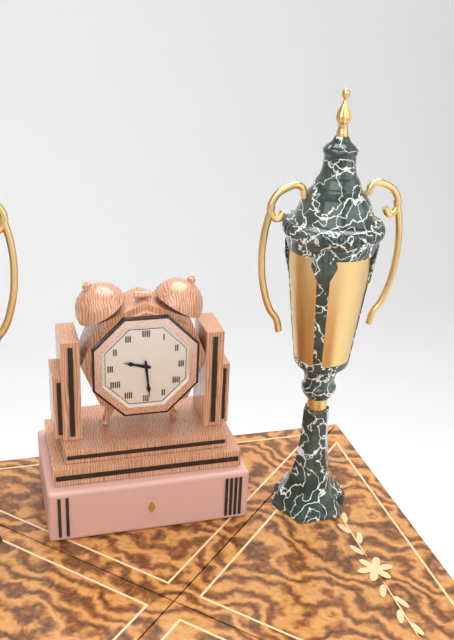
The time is 9h29
